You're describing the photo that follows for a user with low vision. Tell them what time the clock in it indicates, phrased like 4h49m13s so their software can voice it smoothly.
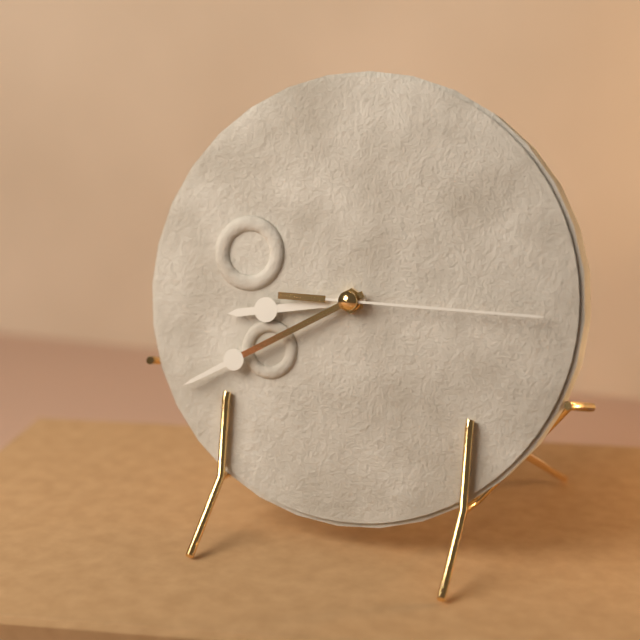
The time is 8h40m15s
